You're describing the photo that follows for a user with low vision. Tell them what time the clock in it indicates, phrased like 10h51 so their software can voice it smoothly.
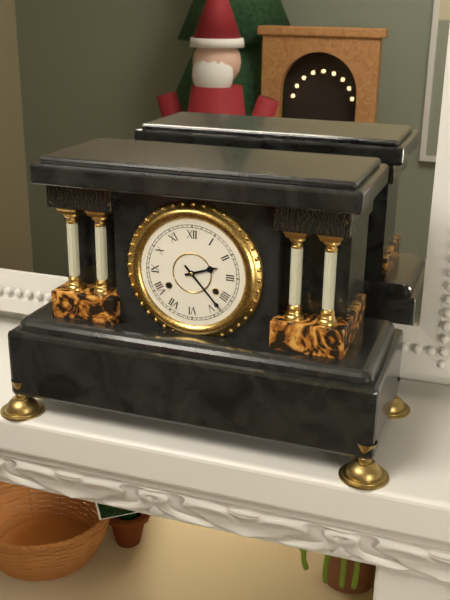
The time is 2h23
